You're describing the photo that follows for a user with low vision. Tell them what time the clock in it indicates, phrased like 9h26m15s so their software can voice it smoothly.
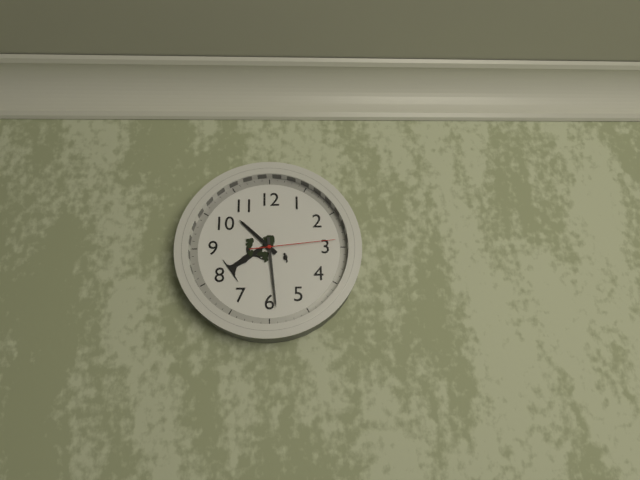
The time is 10h29m14s
